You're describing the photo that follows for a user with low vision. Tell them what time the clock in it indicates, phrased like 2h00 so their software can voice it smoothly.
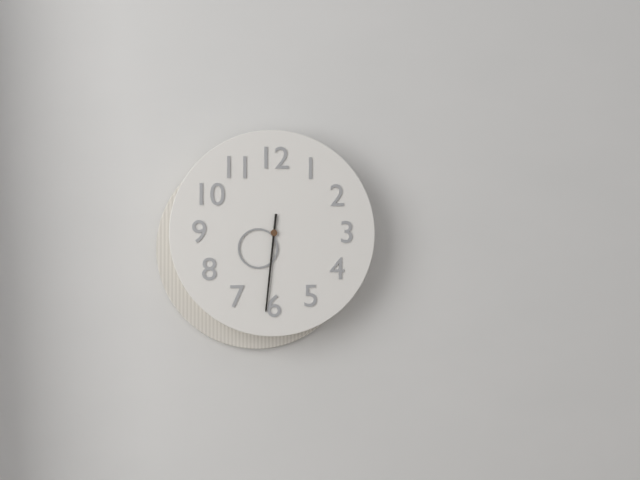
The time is 7h31
